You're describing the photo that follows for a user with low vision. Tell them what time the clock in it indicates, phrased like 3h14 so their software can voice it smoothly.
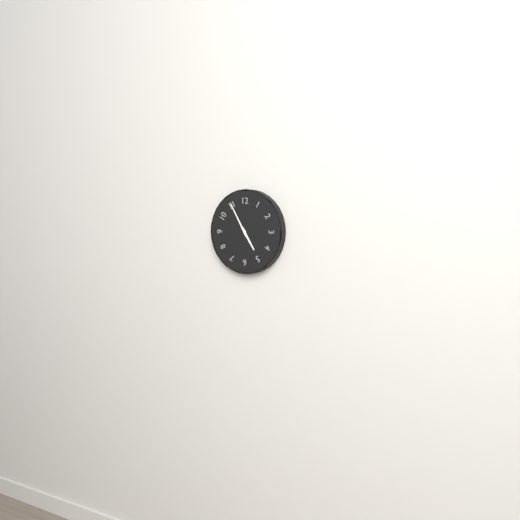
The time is 4h55
